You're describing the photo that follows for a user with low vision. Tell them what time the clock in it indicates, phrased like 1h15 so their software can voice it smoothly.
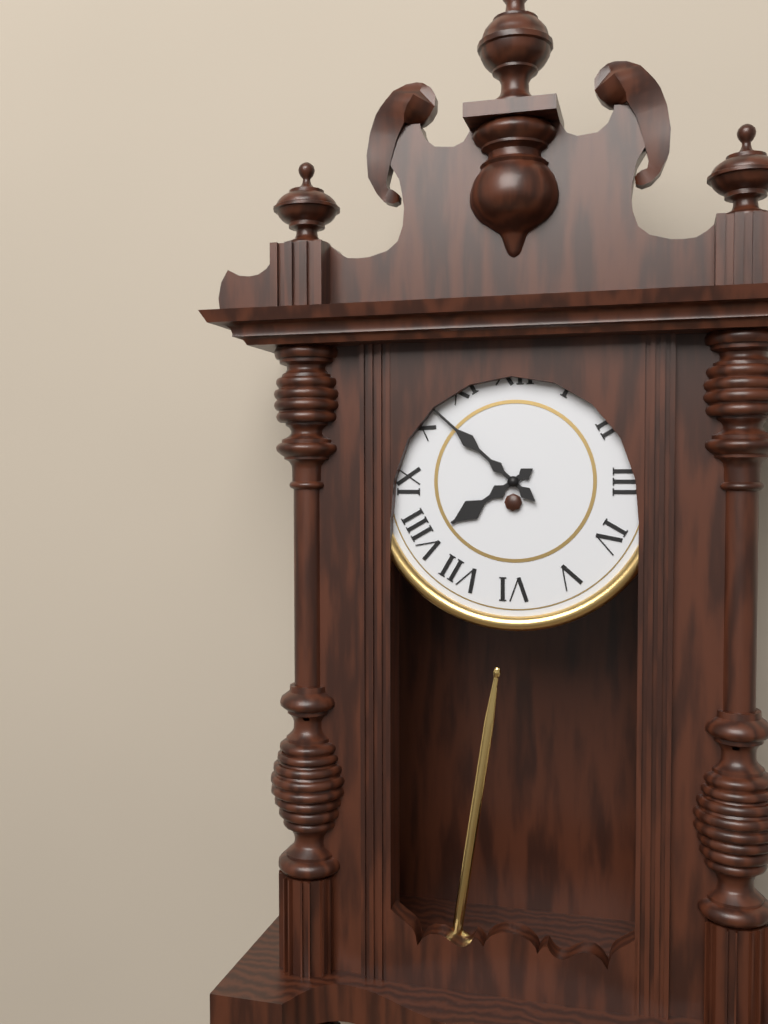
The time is 7h52
